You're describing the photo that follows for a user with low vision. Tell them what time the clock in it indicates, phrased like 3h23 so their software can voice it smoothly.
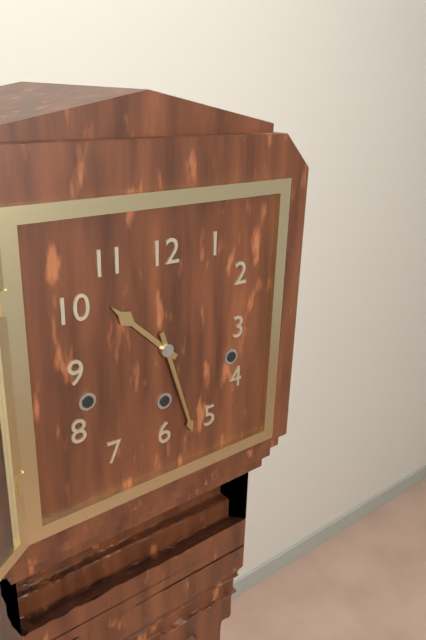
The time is 10h27
